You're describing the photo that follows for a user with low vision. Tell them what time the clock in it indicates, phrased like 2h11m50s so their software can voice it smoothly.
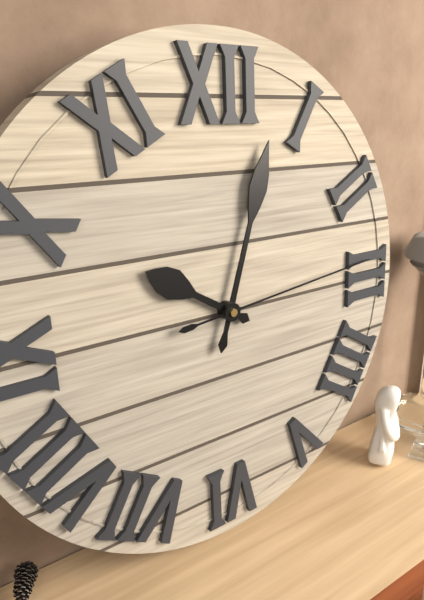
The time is 10h03m14s
